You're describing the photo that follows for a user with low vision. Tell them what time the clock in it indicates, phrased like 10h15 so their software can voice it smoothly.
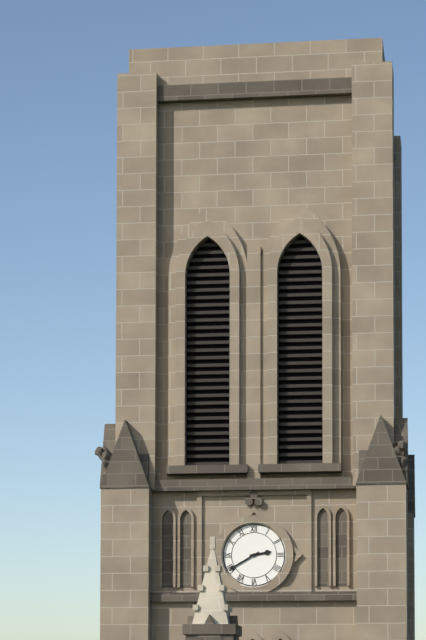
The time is 2h40
